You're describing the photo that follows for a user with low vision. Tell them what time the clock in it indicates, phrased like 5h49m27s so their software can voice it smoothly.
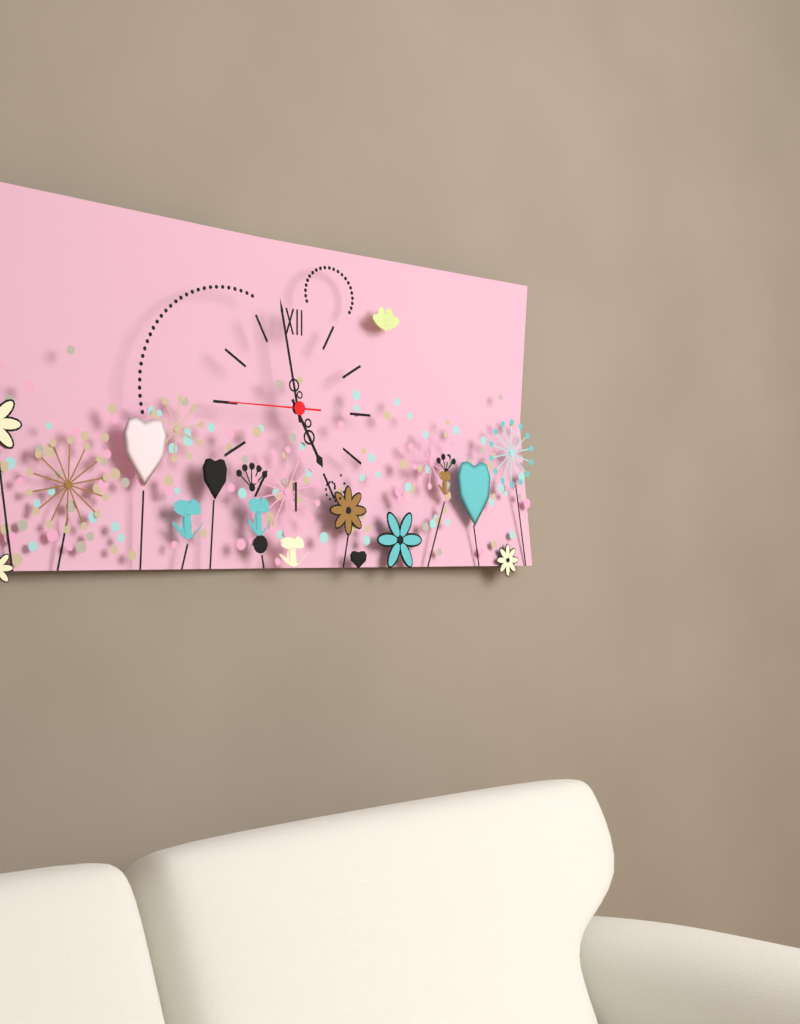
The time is 4h58m45s
